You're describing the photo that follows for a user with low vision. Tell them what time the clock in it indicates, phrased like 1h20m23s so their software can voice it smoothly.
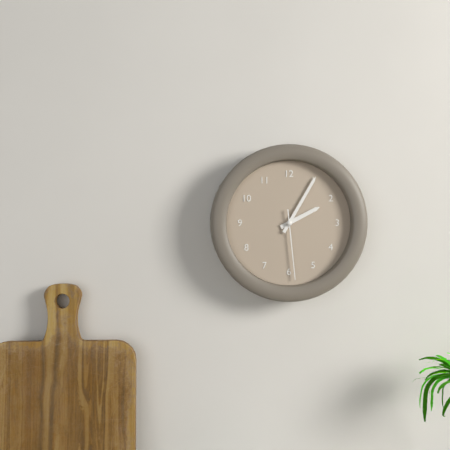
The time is 2h05m29s
